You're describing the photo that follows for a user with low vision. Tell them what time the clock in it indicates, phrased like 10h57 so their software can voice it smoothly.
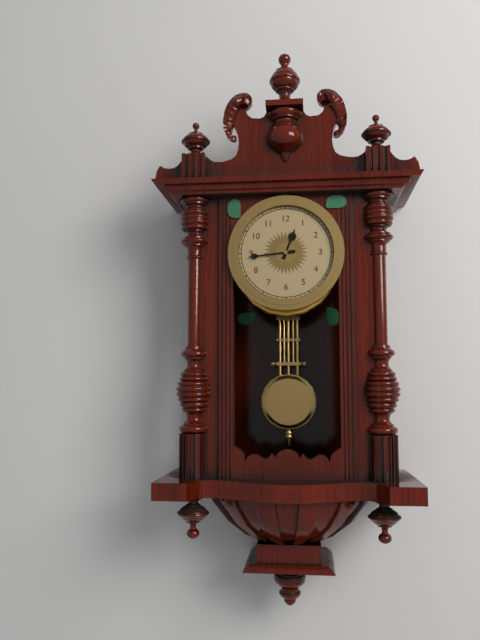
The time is 12h44
